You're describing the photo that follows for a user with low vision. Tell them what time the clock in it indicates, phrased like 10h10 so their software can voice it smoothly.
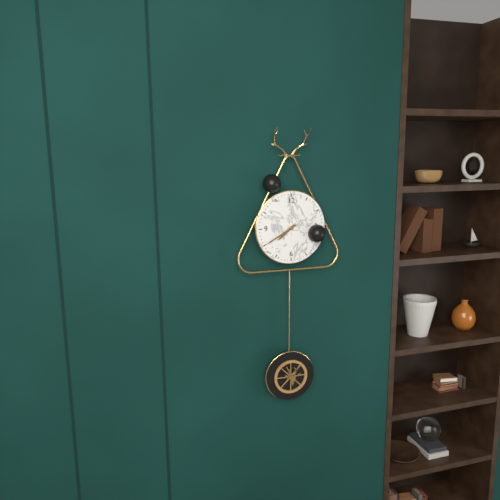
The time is 7h40
